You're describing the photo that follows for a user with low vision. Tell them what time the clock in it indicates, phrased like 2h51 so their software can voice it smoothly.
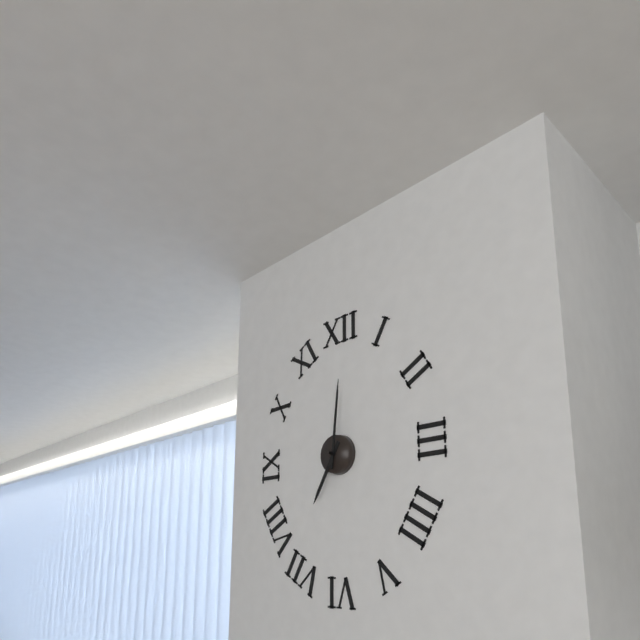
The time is 7h01
